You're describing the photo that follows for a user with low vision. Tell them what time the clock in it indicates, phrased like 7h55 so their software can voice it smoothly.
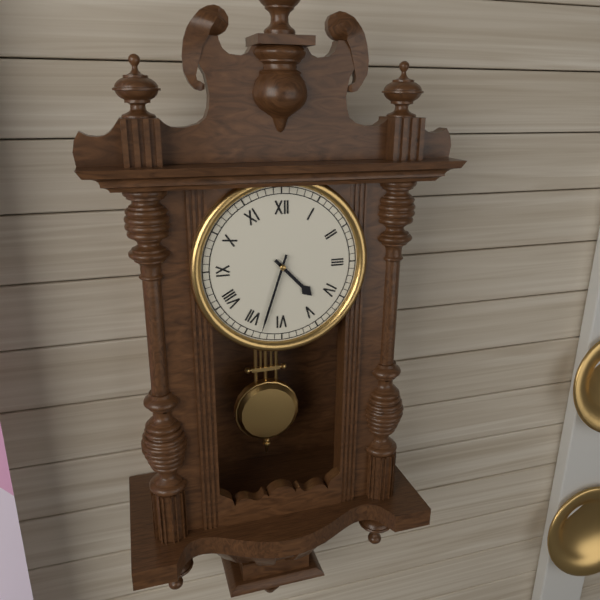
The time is 4h33
